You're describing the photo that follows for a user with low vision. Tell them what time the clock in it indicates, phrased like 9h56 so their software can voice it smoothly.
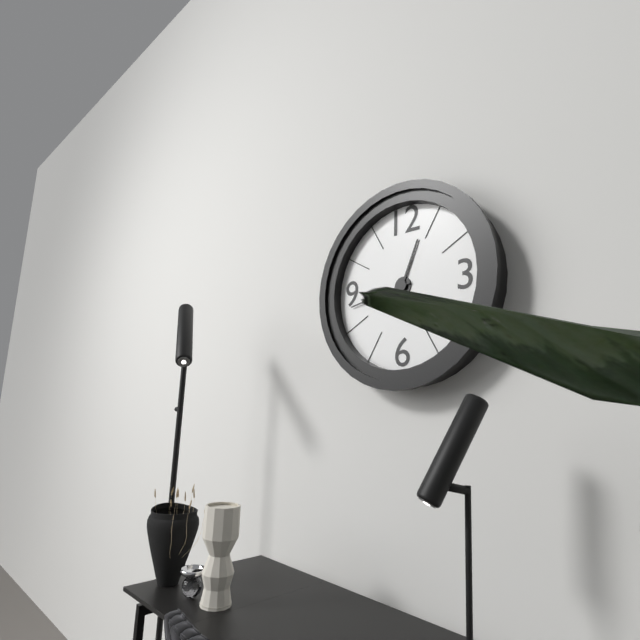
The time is 12h43
